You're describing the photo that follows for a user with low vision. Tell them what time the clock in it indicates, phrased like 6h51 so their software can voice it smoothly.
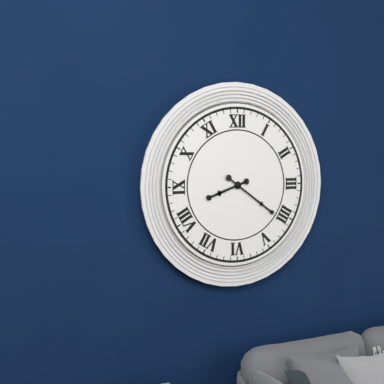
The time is 8h21
